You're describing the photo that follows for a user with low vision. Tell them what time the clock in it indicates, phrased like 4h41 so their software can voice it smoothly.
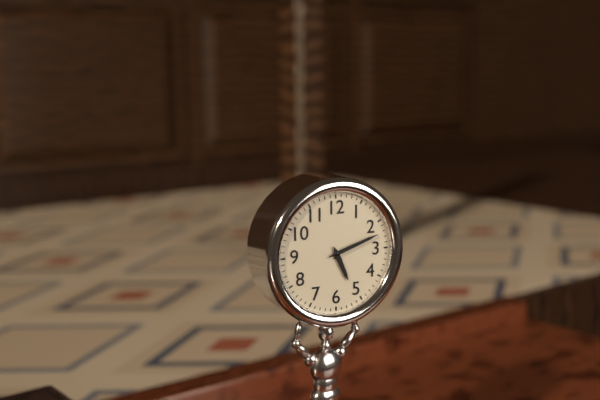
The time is 5h12
